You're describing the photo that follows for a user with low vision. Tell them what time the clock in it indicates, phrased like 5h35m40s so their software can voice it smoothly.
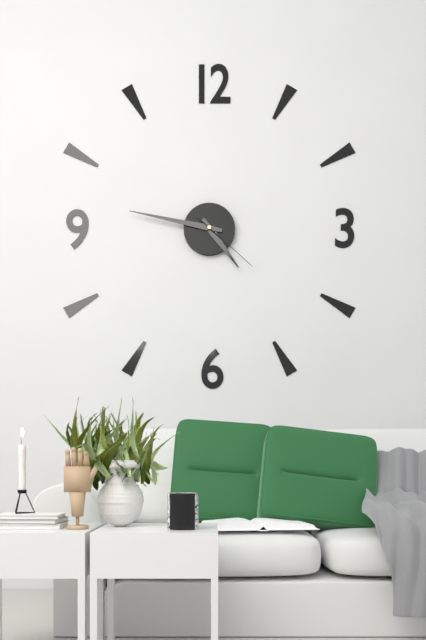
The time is 4h47m22s
